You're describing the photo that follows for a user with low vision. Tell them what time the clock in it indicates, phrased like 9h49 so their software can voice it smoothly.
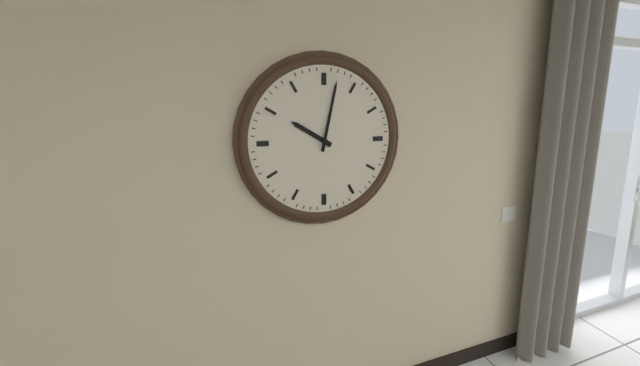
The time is 10h02
